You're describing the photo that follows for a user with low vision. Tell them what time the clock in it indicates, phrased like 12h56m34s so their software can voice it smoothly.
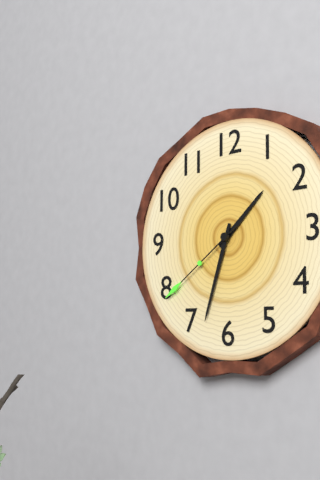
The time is 1h33m39s
